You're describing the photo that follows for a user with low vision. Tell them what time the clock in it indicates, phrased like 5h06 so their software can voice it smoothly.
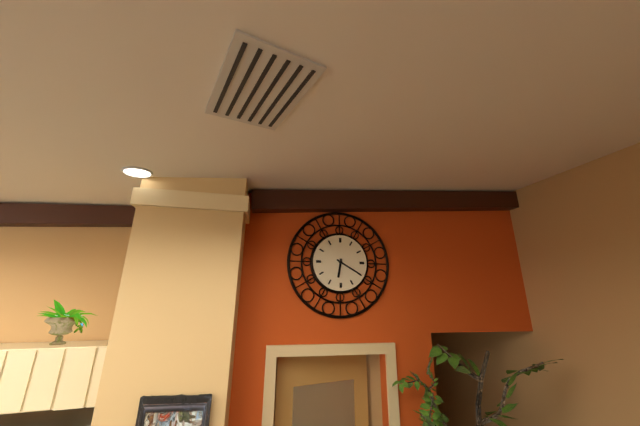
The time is 6h20
